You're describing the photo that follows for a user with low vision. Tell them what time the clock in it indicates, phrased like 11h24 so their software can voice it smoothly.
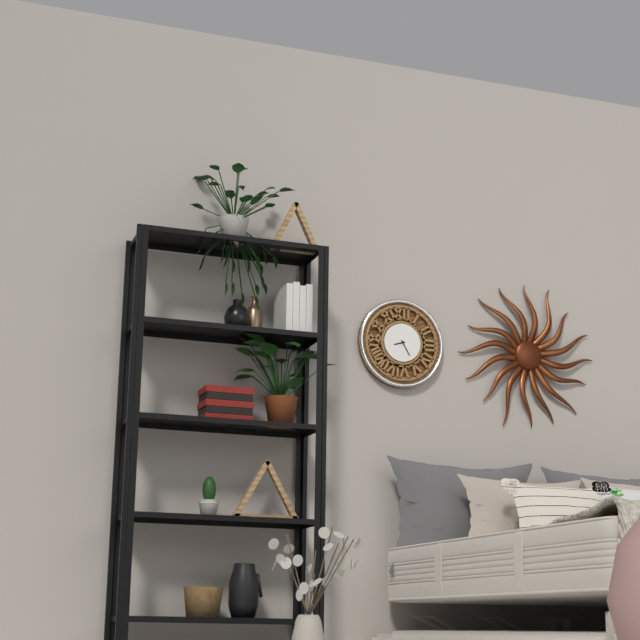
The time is 8h25
